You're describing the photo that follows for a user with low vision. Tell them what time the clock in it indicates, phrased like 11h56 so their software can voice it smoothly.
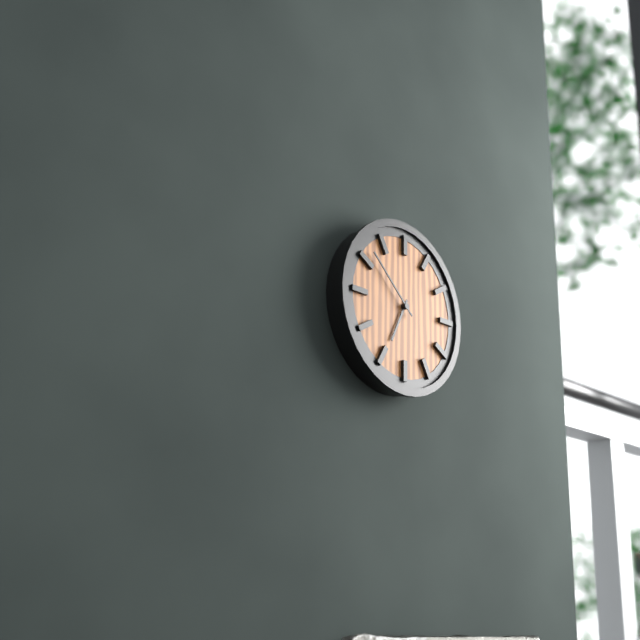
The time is 6h52
